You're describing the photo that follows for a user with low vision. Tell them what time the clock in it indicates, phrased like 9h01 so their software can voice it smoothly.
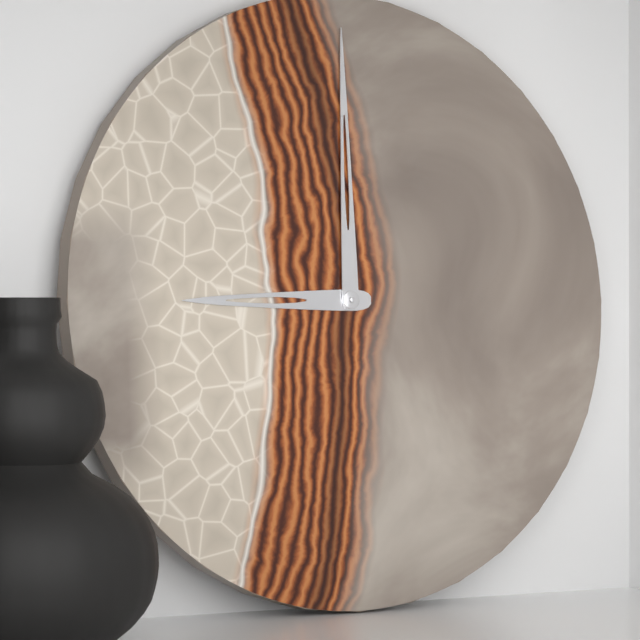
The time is 9h00
